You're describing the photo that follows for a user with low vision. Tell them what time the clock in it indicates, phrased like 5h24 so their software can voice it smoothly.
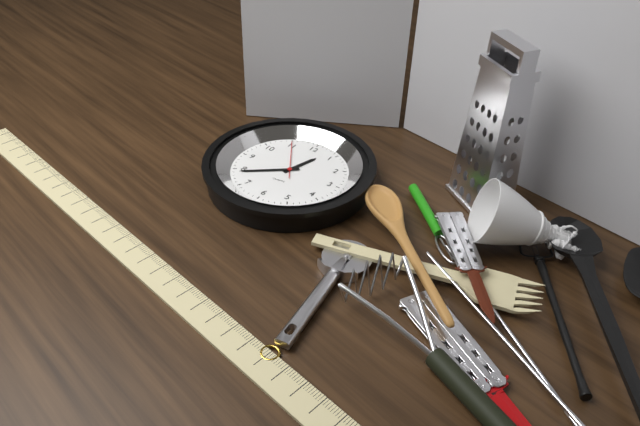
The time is 12h39
